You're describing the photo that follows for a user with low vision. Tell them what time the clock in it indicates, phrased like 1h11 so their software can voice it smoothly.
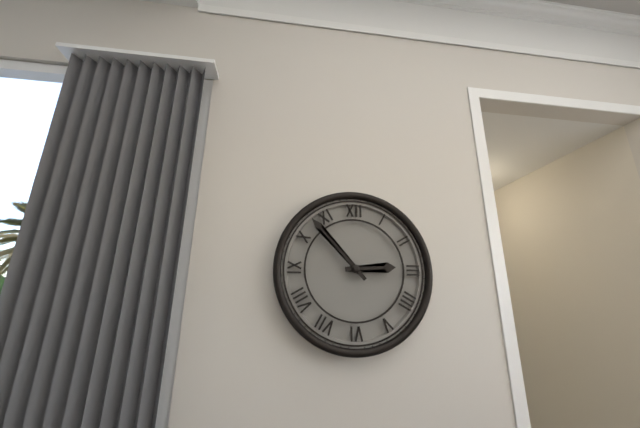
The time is 2h53
